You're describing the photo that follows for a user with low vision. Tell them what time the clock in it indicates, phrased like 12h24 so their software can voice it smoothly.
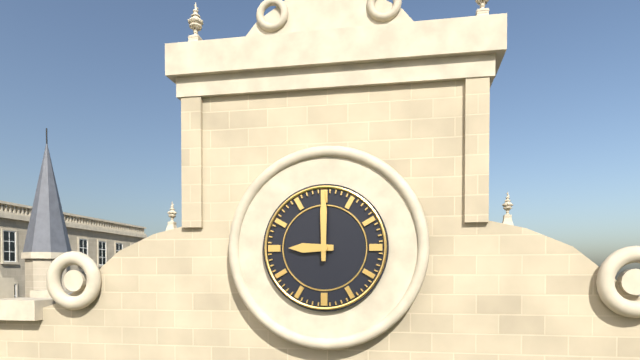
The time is 9h00
